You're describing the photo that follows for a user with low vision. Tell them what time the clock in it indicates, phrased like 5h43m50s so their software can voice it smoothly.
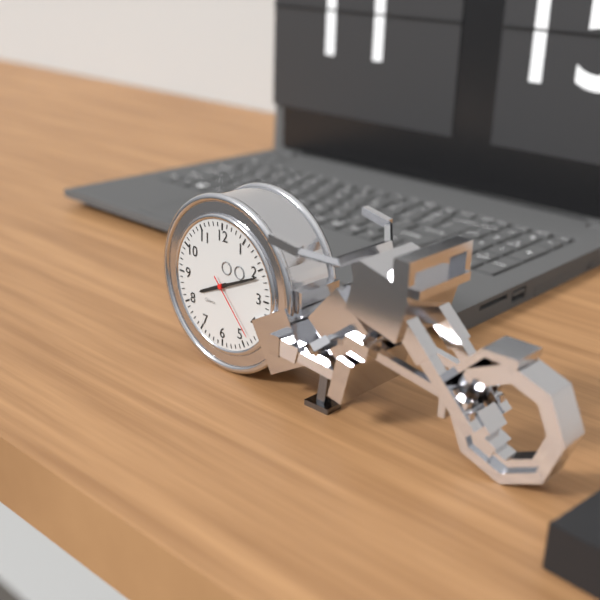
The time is 8h11m23s
